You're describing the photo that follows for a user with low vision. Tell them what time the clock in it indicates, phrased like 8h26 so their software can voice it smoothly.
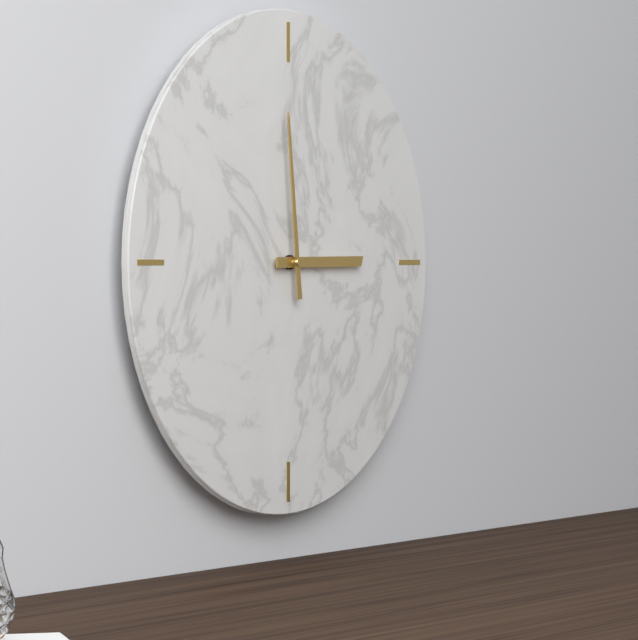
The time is 2h59
